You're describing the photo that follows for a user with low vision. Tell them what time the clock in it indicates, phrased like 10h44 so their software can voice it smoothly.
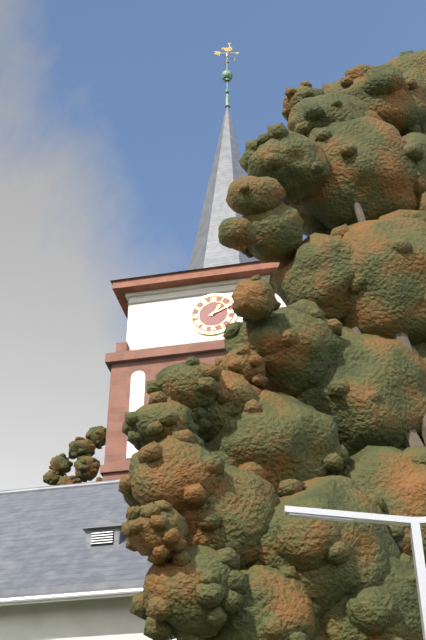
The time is 1h11
